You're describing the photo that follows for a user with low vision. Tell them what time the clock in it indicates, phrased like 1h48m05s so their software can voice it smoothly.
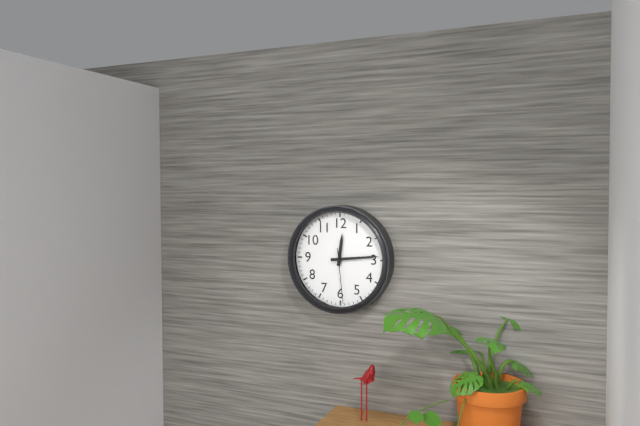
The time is 12h14m29s
